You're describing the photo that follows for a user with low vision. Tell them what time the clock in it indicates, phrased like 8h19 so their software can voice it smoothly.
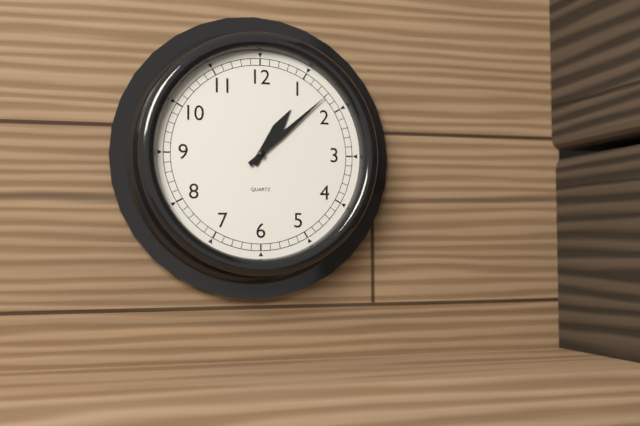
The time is 1h08
